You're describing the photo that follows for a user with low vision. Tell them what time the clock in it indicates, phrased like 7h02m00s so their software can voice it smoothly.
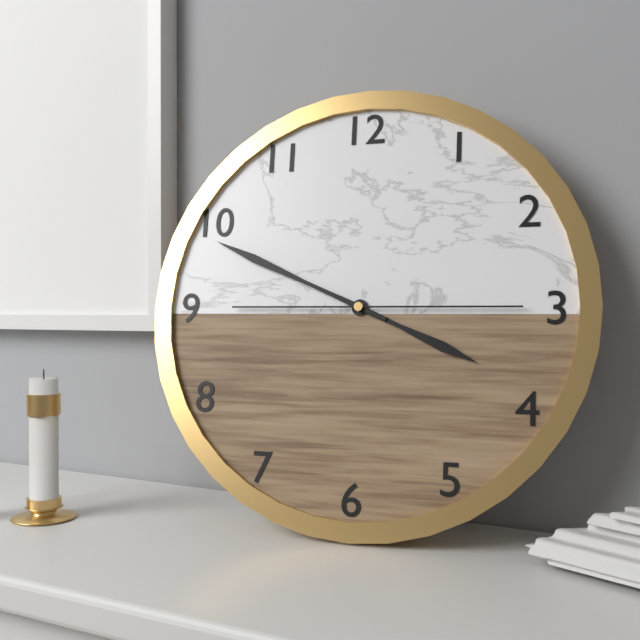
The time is 3h49m15s
